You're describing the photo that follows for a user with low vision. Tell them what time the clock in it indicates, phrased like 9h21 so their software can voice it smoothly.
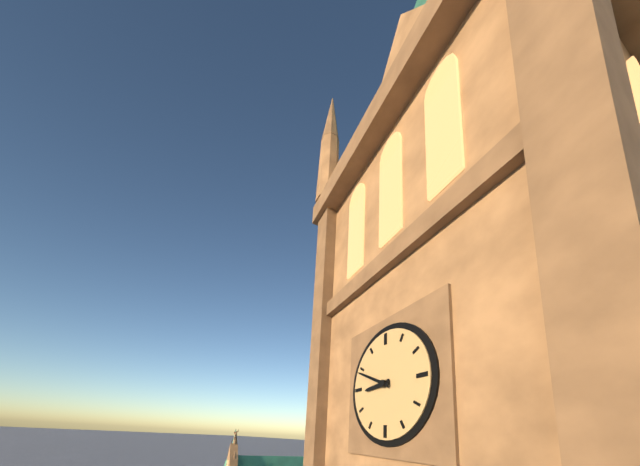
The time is 8h49
